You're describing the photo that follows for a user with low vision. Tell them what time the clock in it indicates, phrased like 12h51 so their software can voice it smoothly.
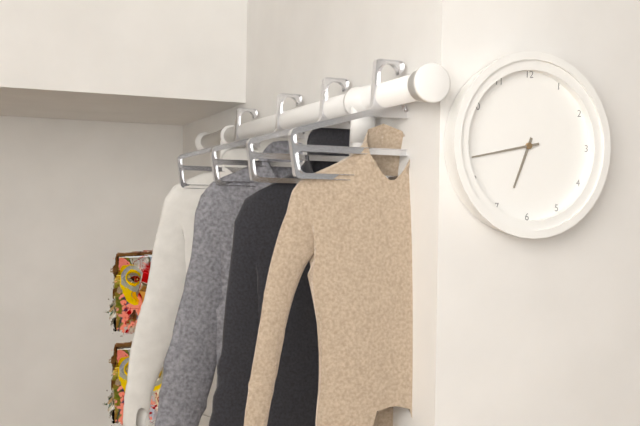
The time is 6h43
